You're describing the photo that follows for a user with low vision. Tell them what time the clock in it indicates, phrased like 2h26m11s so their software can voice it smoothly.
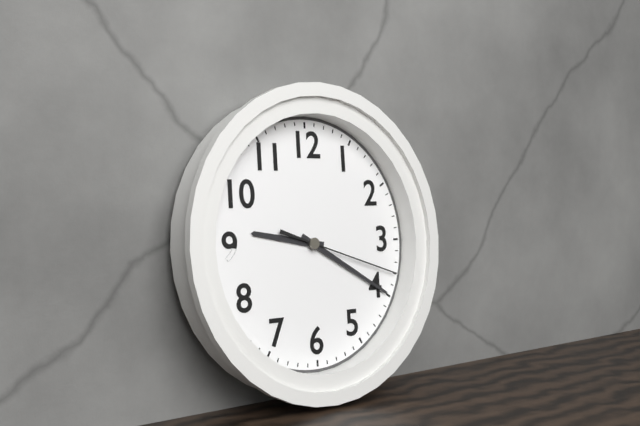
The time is 9h20m18s
